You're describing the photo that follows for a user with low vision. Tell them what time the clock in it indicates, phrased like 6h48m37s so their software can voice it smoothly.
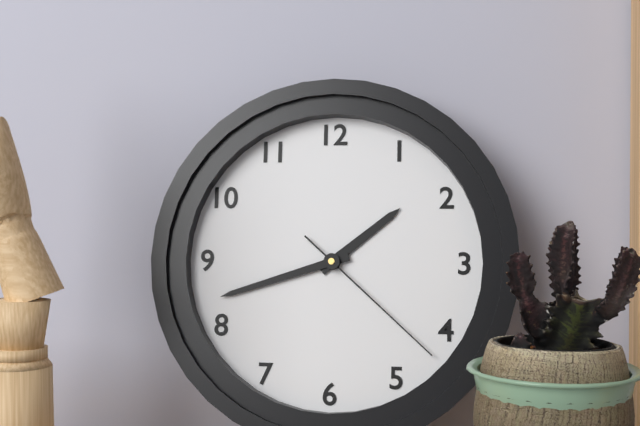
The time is 1h42m22s
